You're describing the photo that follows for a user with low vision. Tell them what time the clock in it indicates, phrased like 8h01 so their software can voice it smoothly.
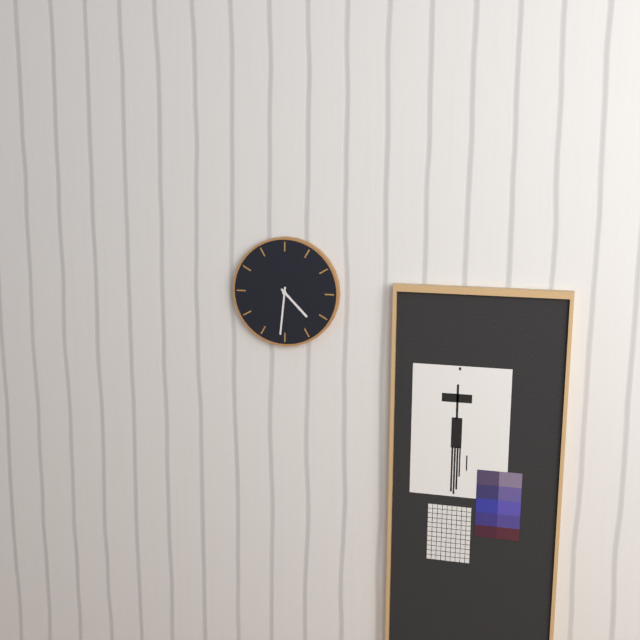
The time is 4h31
